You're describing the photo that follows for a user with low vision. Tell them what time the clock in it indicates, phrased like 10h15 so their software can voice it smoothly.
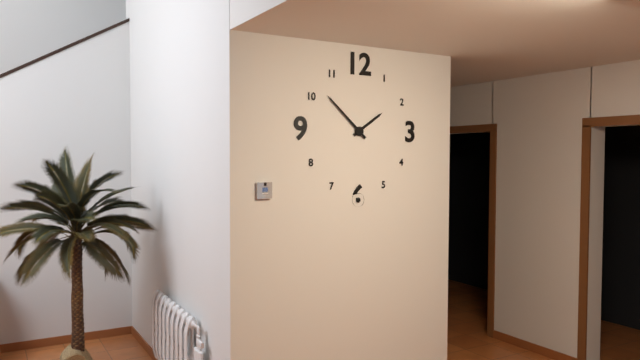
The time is 1h52
